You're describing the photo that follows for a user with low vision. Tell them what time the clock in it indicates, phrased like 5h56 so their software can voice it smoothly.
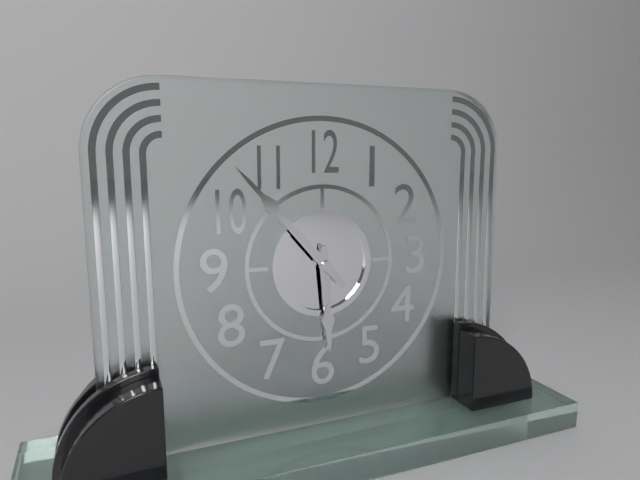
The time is 5h53
